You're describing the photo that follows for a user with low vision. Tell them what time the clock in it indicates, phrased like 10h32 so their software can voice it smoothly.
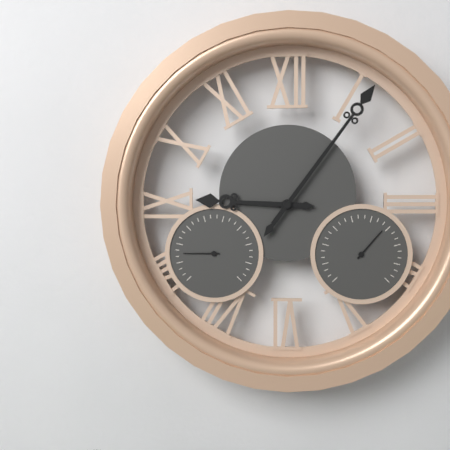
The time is 9h06
